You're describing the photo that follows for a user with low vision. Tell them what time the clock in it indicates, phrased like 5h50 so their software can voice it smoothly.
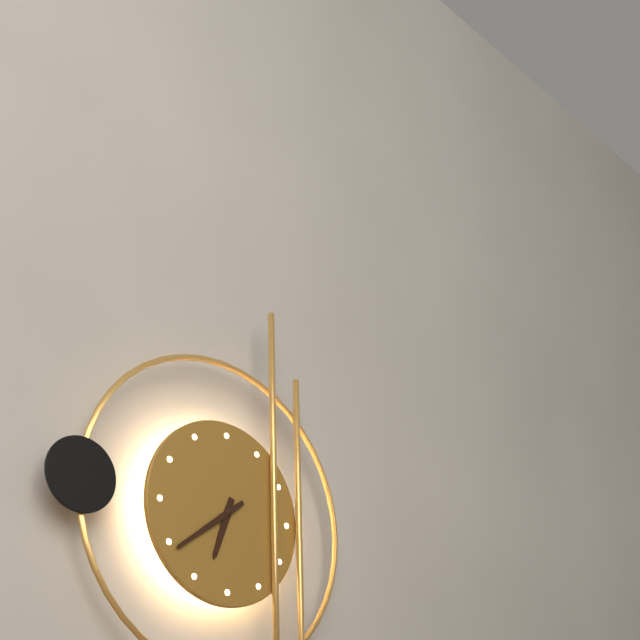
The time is 6h39
